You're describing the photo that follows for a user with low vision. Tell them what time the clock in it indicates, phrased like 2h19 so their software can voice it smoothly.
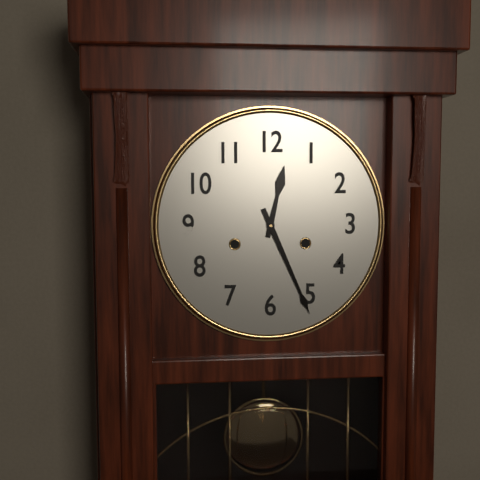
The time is 12h26
